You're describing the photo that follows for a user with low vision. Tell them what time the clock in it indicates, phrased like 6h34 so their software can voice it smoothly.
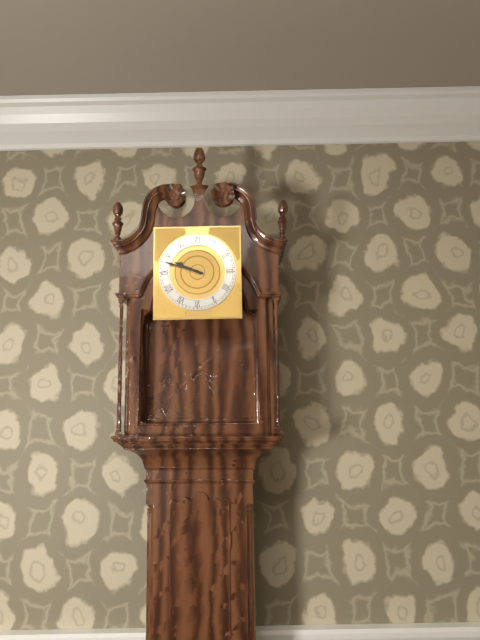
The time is 9h48
